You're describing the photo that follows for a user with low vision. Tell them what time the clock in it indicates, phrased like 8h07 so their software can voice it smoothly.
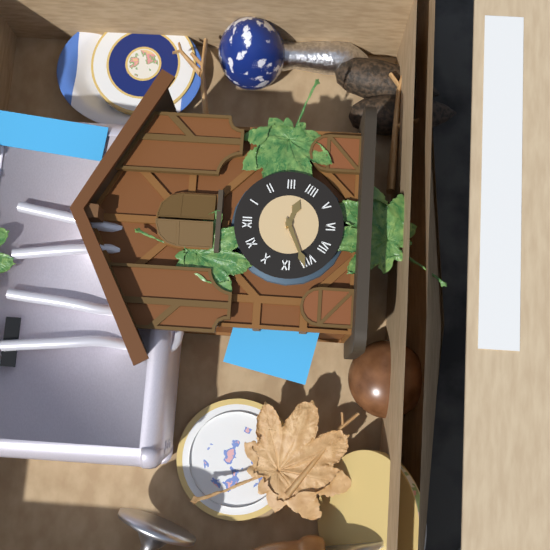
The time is 3h41
